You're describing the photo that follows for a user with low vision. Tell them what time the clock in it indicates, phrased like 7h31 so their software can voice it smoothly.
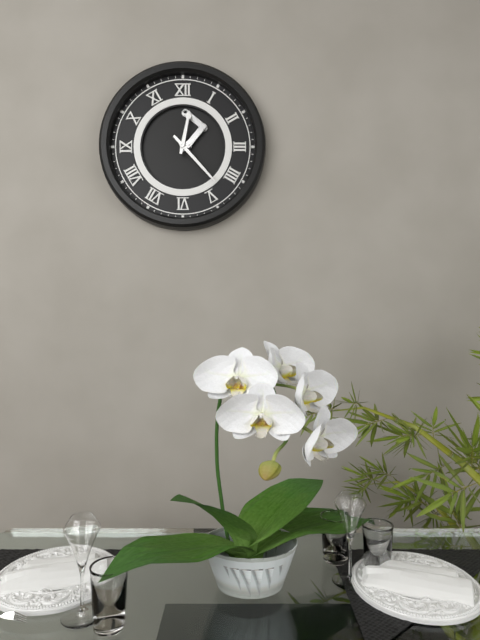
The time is 12h23
